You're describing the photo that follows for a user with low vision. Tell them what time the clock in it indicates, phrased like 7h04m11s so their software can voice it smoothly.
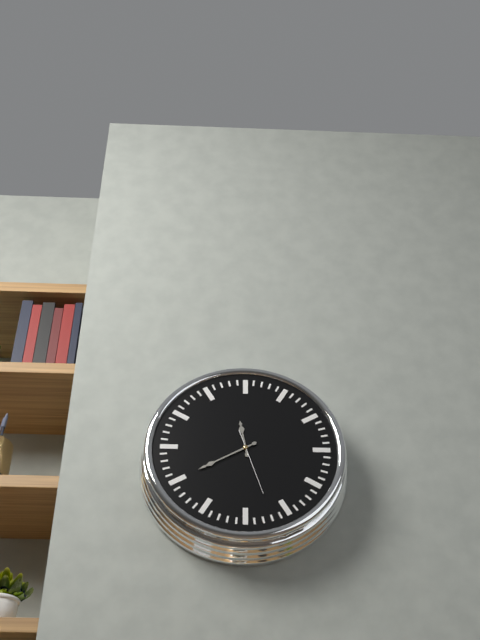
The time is 11h40m27s
